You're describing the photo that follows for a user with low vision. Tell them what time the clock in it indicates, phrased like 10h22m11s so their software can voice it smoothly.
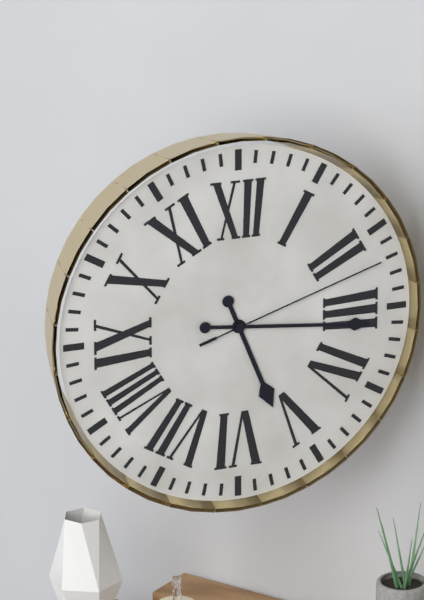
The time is 5h16m12s
